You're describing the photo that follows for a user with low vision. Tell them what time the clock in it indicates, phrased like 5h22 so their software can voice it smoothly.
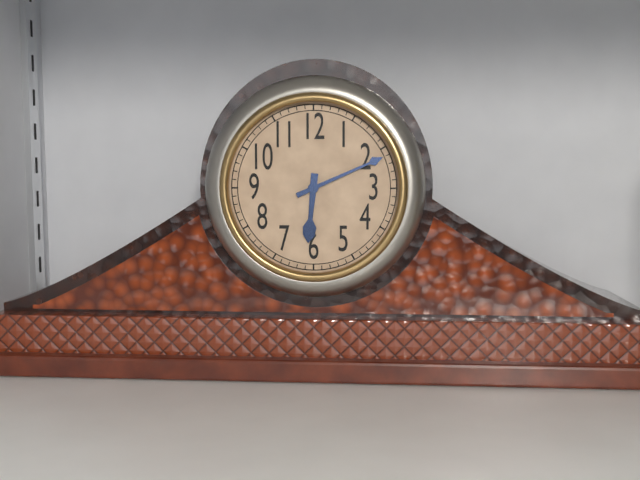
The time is 6h11
